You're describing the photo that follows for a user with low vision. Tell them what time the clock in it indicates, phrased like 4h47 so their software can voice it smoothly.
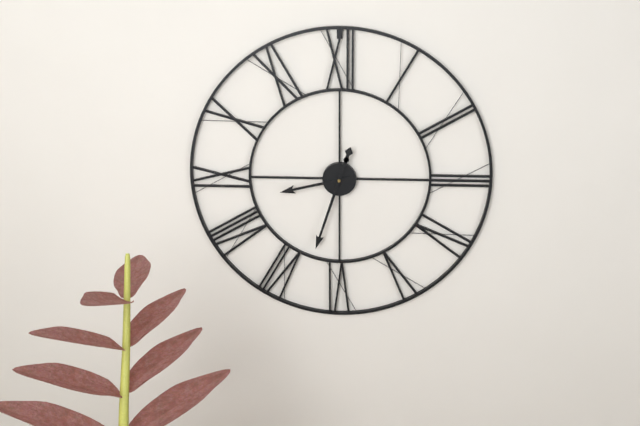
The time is 8h33
